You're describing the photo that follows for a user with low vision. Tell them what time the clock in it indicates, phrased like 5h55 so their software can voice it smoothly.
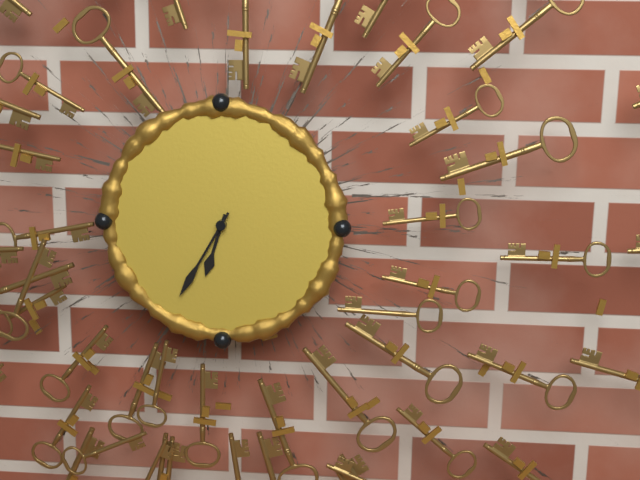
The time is 6h35
